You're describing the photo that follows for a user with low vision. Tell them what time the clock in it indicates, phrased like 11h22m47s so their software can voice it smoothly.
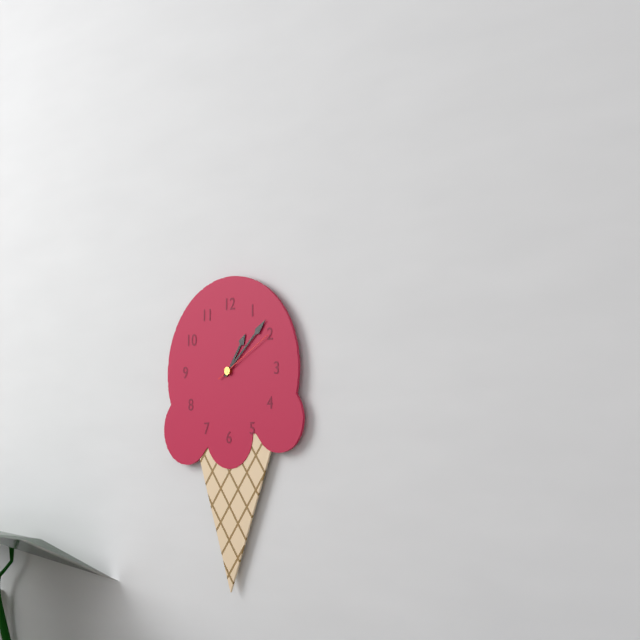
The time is 1h08m10s
